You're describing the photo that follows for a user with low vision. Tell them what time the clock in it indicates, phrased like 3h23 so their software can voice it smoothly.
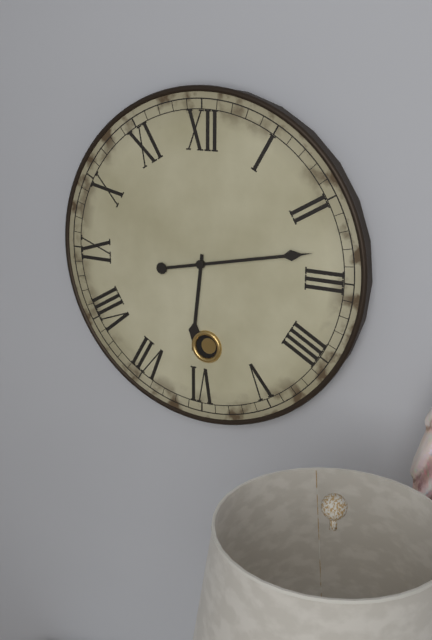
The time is 6h13
